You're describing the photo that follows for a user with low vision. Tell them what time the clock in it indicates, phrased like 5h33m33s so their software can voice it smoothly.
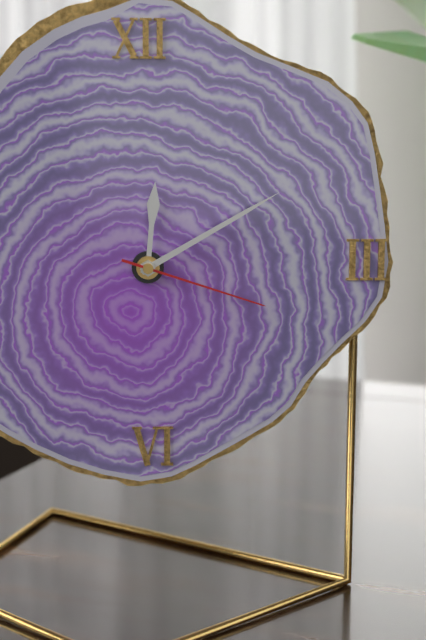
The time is 12h10m18s
